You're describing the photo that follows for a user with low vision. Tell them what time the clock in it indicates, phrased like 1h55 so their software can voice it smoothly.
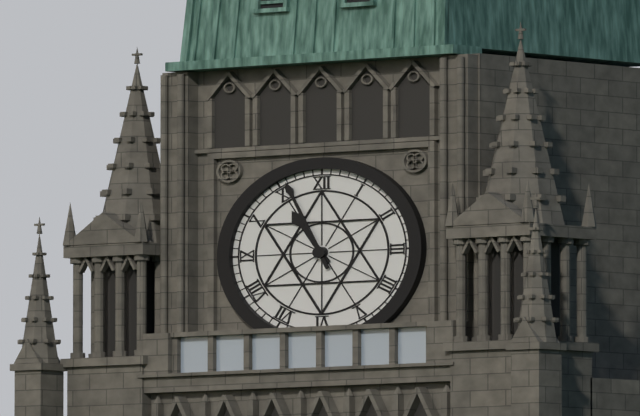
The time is 10h56
